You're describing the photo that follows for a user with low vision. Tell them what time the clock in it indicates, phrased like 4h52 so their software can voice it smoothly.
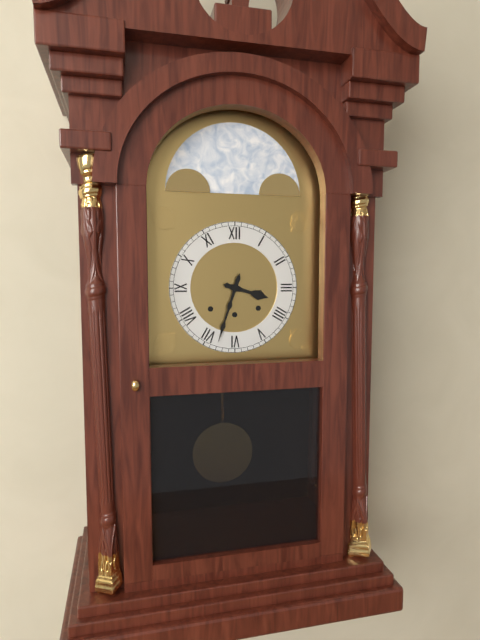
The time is 3h33
